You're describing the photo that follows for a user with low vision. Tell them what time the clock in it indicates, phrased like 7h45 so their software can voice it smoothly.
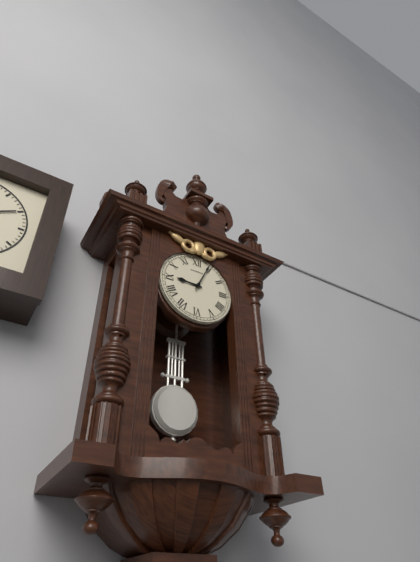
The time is 9h04
